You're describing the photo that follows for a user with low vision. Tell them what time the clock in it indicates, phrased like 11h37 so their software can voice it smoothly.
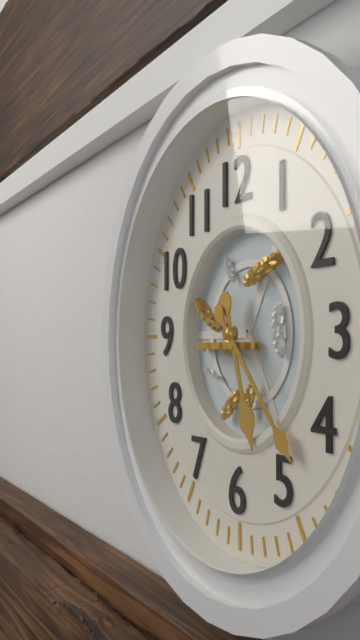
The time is 5h23
